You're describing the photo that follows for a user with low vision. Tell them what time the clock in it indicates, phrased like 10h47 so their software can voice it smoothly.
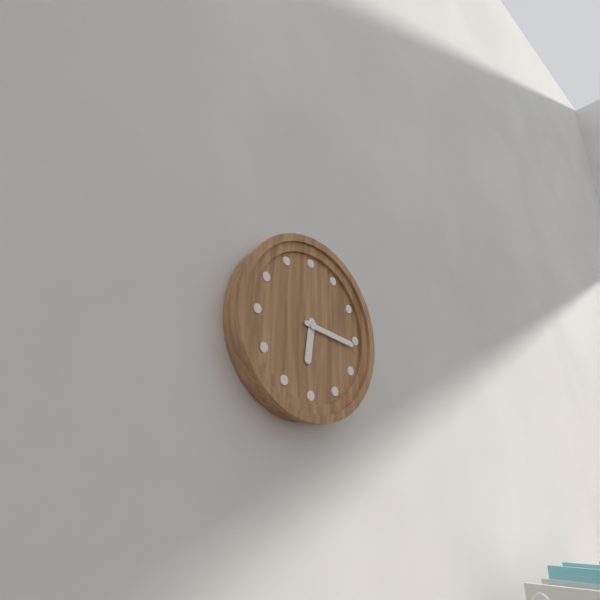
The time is 6h16
